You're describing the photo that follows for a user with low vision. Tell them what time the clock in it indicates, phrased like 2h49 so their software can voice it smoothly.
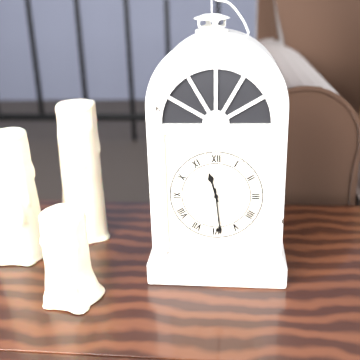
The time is 11h29
